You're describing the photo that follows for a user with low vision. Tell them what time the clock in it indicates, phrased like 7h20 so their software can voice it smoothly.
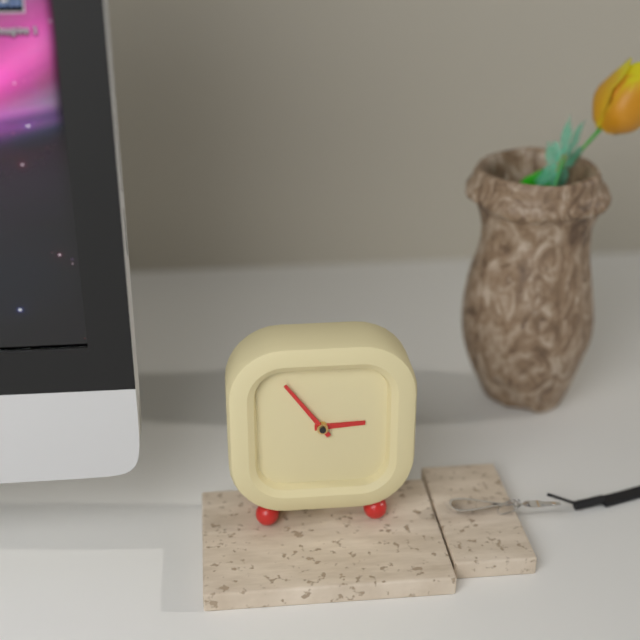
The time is 2h54
